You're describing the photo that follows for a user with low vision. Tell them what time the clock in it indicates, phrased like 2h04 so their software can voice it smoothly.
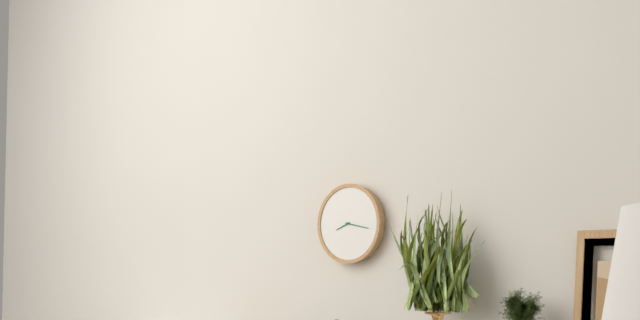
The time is 8h17
